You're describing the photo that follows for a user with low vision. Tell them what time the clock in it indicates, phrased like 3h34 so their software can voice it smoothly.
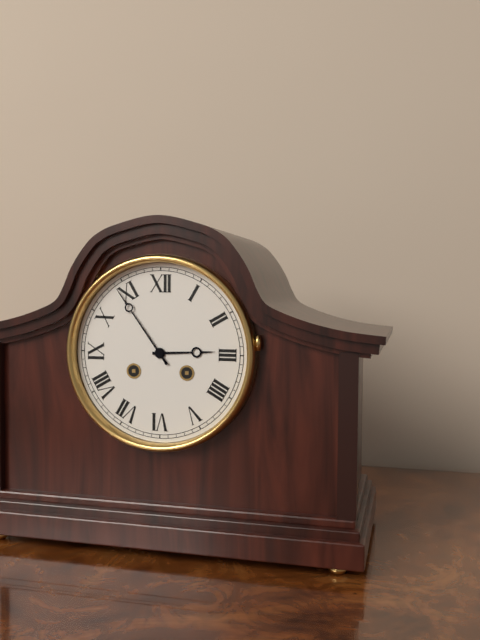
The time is 2h54
